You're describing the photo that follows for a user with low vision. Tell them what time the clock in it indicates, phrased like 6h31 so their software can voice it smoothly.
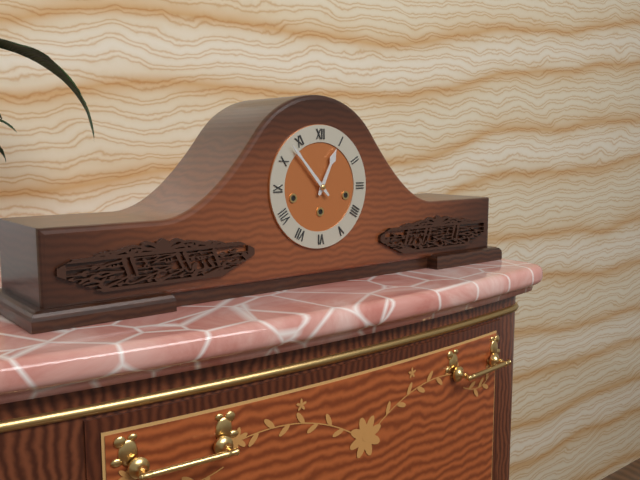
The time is 12h53
